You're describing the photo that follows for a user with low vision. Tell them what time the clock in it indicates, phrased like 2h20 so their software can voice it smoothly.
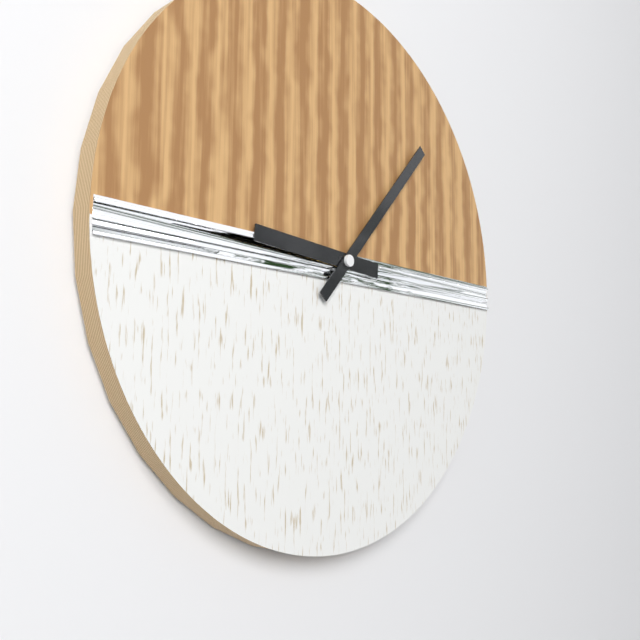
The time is 9h07
